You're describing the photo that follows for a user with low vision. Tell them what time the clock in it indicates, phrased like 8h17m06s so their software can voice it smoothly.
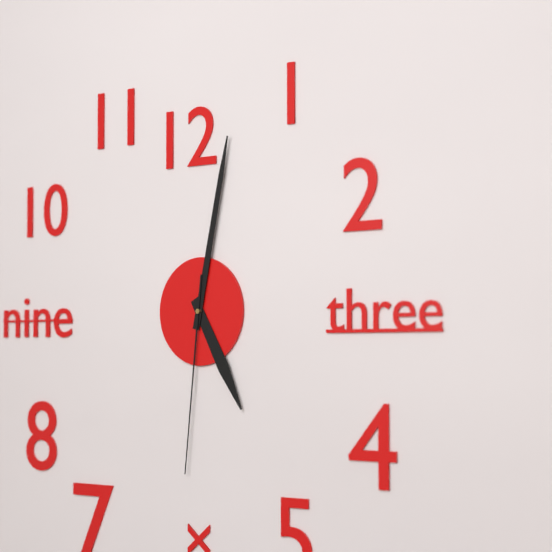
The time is 5h02m31s
